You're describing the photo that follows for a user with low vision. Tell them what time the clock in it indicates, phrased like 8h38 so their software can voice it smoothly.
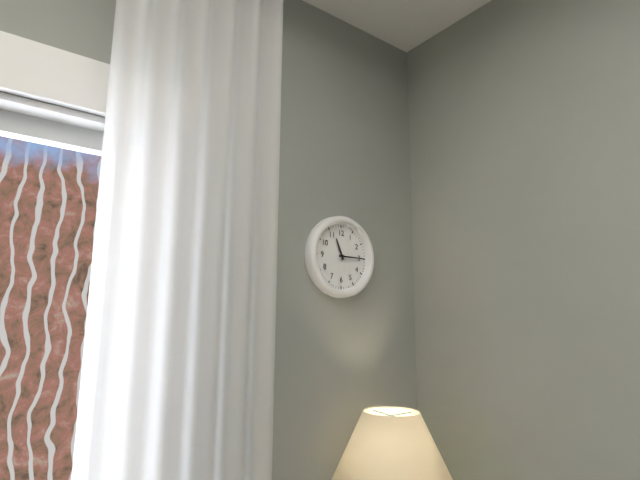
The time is 11h15
